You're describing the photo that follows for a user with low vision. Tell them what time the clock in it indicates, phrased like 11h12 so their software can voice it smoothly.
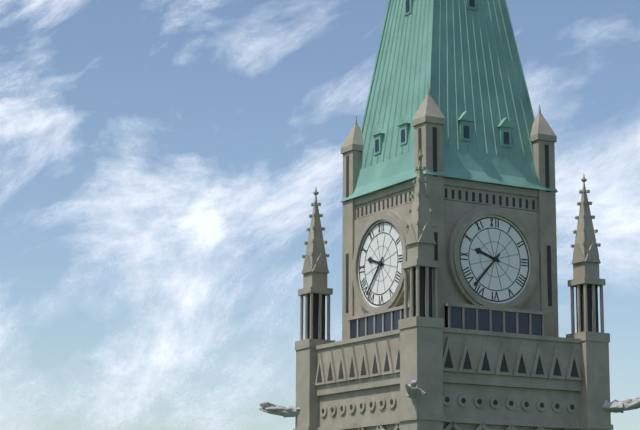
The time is 9h37
